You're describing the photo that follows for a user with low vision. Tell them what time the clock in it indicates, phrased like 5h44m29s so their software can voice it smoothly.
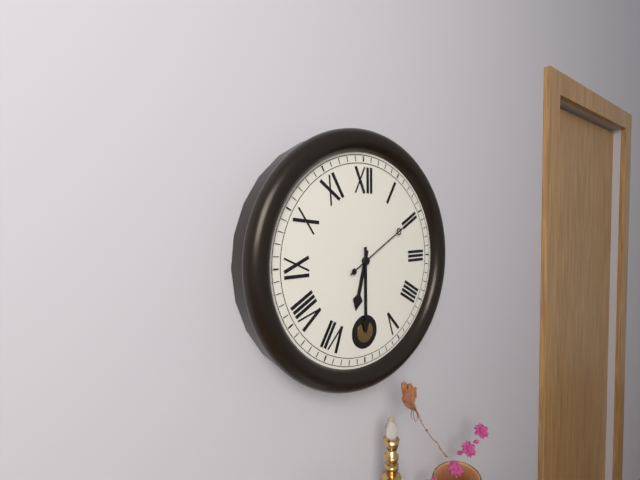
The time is 6h30m10s
